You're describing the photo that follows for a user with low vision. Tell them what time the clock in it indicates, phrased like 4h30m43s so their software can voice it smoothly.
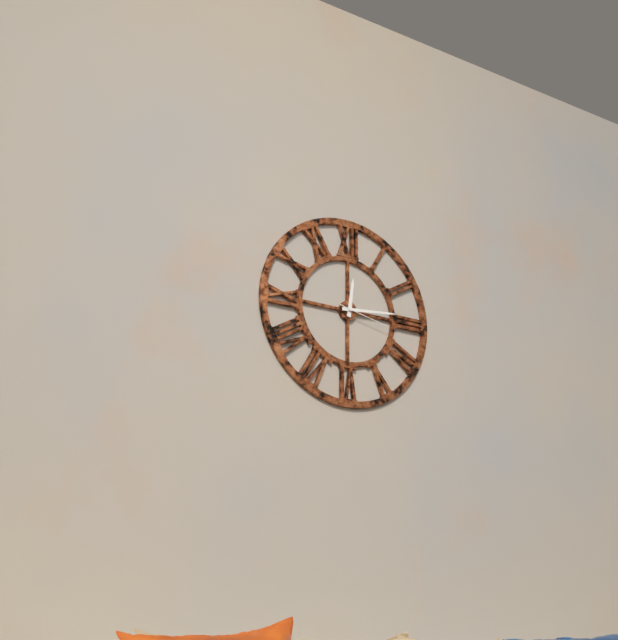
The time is 12h14m17s
